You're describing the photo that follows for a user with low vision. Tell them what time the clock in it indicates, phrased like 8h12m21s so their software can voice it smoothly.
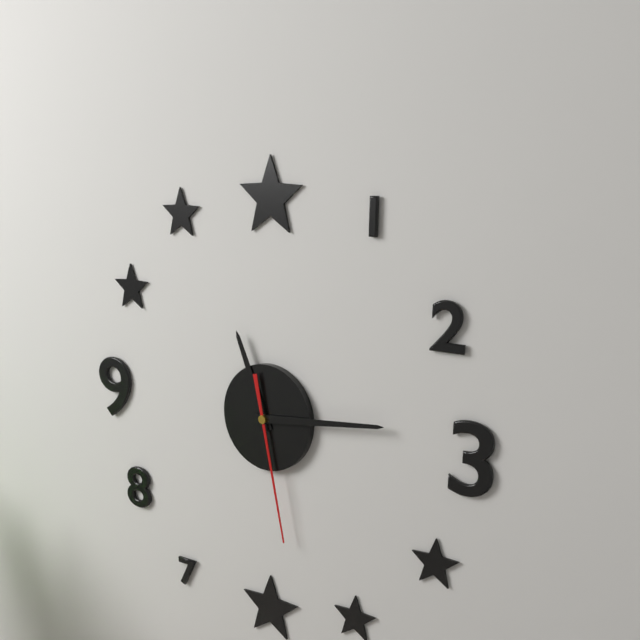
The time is 11h14m28s
